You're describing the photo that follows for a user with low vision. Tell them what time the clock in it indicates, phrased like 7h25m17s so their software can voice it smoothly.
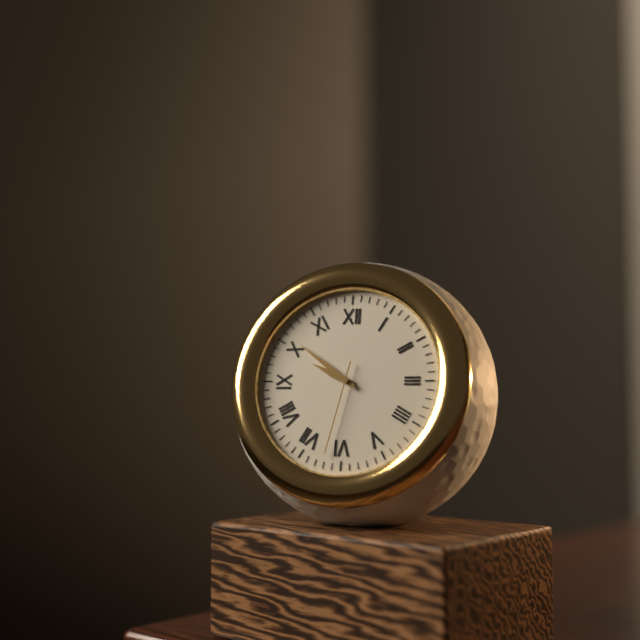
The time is 9h51m32s
